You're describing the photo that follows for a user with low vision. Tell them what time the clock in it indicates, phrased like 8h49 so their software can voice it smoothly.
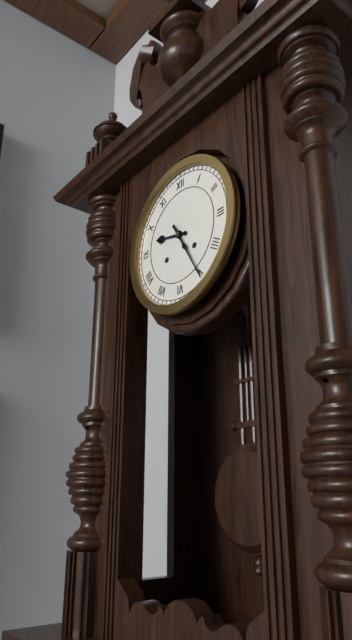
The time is 9h25
